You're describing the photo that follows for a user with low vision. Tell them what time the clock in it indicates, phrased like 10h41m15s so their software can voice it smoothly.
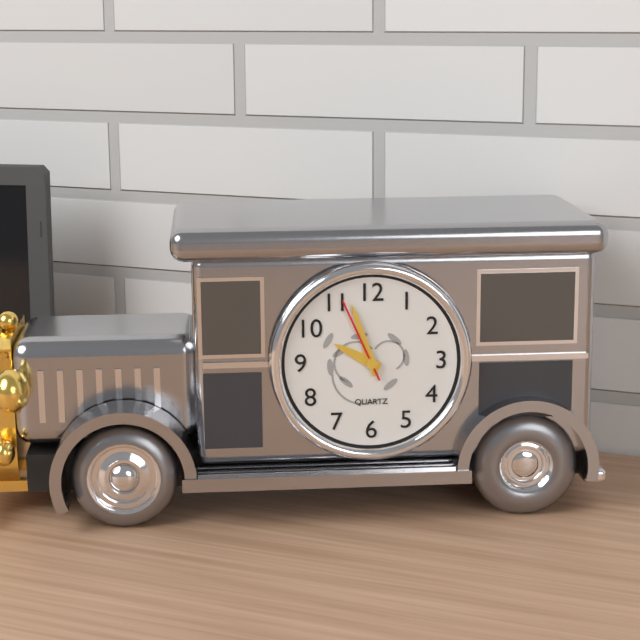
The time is 9h57m56s
